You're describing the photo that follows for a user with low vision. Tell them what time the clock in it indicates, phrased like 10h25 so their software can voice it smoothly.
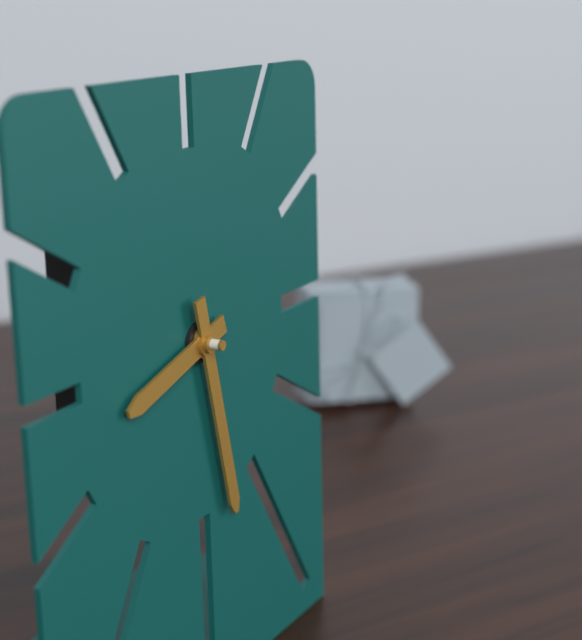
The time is 8h28
